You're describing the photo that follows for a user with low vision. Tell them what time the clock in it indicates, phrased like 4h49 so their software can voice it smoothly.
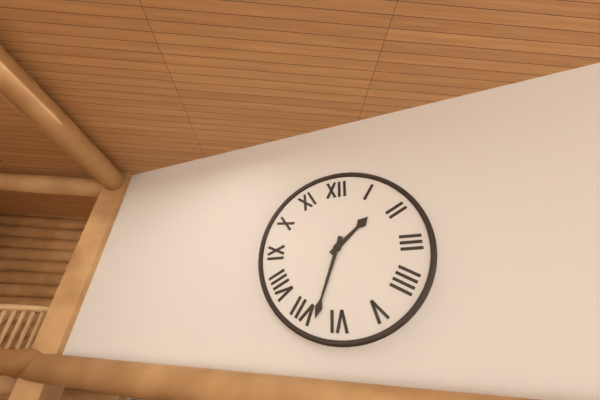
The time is 1h33
